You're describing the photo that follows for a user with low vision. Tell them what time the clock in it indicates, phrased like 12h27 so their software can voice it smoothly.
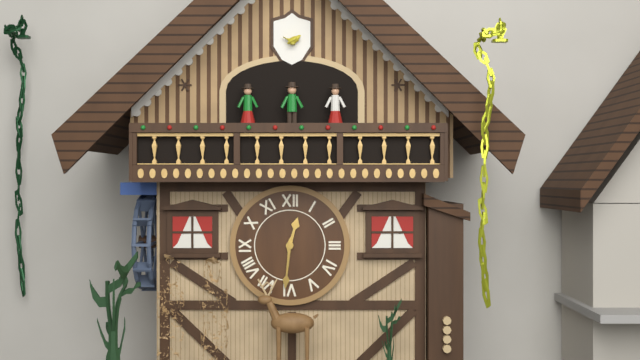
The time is 12h31
